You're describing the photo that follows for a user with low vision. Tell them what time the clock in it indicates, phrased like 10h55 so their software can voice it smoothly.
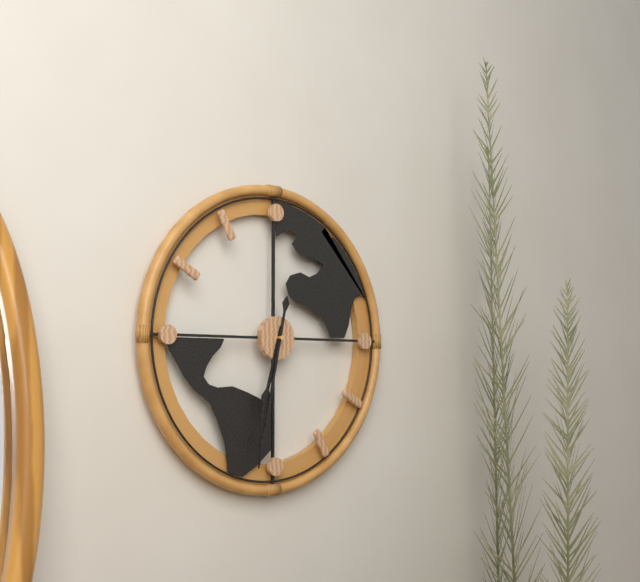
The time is 6h32
